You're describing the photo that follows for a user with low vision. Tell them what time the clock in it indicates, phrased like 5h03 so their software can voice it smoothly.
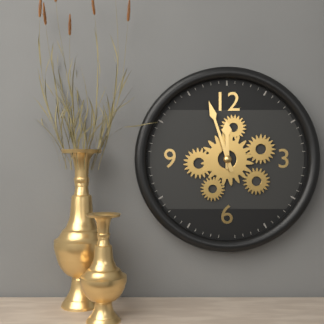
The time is 11h57
